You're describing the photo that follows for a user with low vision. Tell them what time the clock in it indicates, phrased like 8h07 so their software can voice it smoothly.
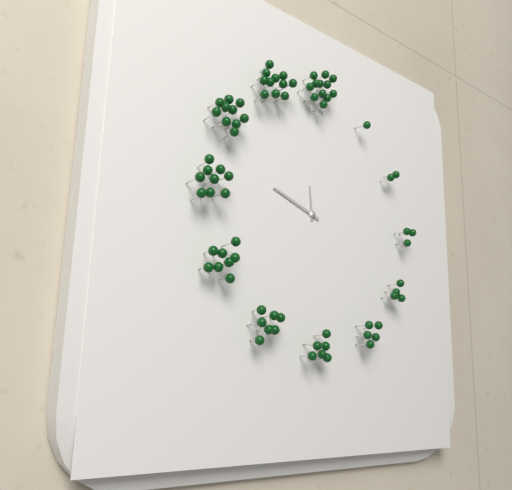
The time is 11h48
